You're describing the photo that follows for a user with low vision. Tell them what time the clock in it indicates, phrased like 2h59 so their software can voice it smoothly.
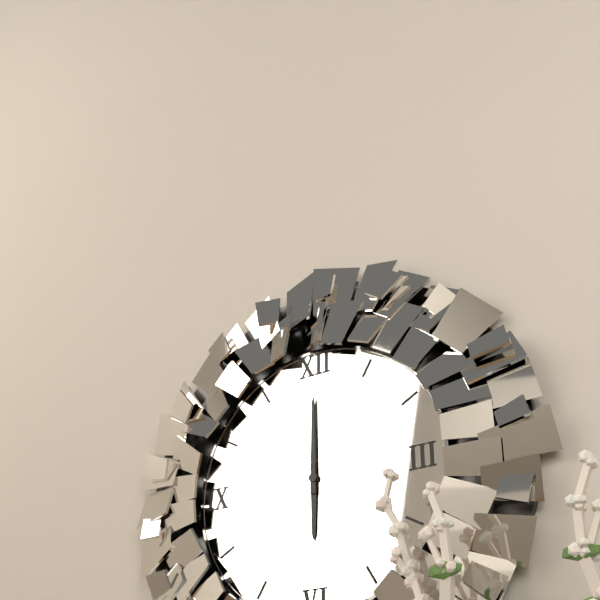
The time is 6h00
